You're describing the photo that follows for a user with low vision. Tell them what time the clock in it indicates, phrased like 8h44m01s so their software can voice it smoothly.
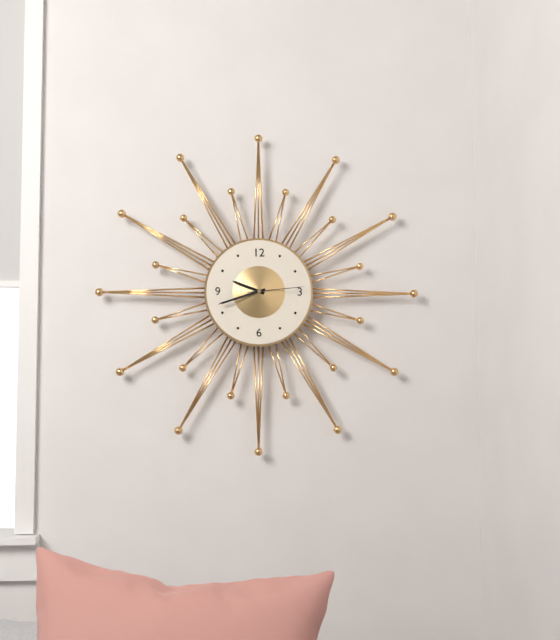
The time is 9h42m14s
